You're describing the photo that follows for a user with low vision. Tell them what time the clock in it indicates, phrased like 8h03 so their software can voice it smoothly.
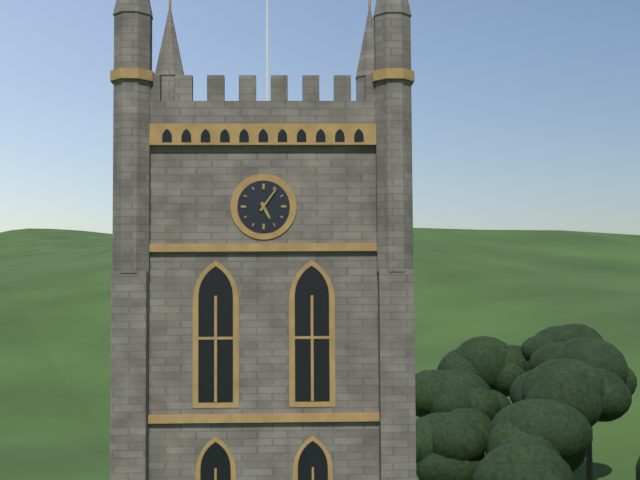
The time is 5h06
